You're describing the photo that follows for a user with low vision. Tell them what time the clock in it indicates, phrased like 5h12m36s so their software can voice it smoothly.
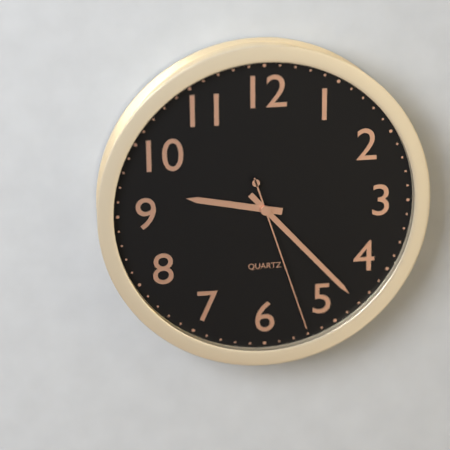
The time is 9h23m27s
